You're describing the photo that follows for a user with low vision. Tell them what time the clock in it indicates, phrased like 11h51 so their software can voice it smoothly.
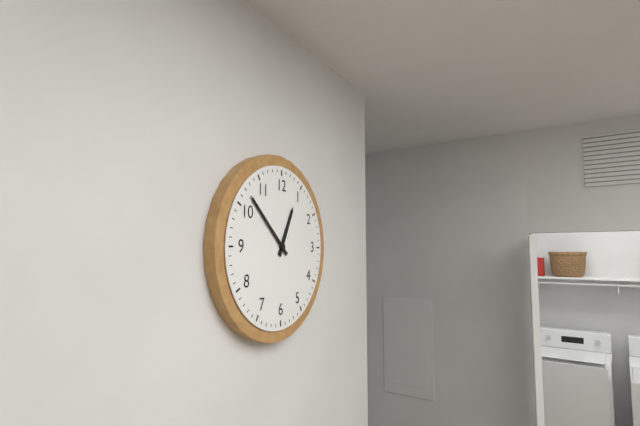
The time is 12h52
